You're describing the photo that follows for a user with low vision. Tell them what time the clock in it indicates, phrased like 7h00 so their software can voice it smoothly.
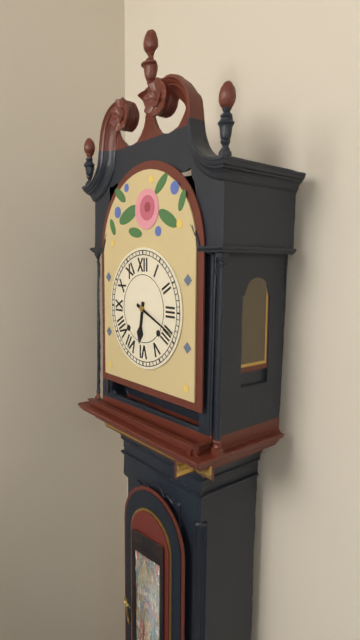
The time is 6h19
